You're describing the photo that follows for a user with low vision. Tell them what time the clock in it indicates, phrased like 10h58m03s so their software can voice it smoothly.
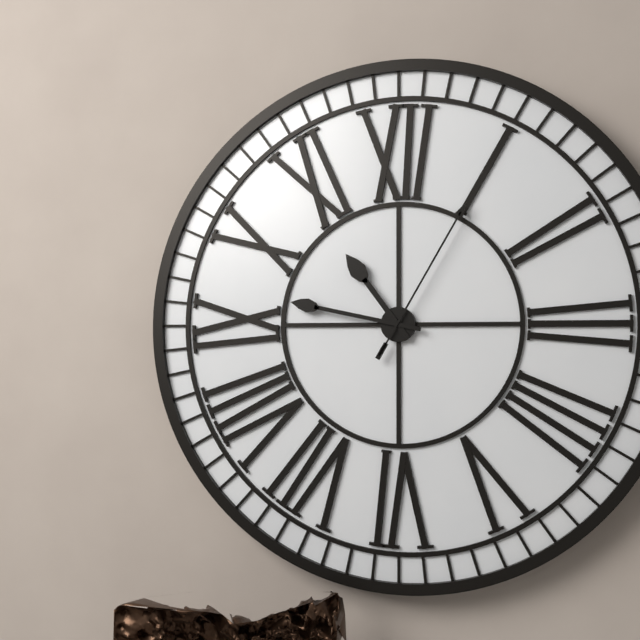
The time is 10h47m05s
